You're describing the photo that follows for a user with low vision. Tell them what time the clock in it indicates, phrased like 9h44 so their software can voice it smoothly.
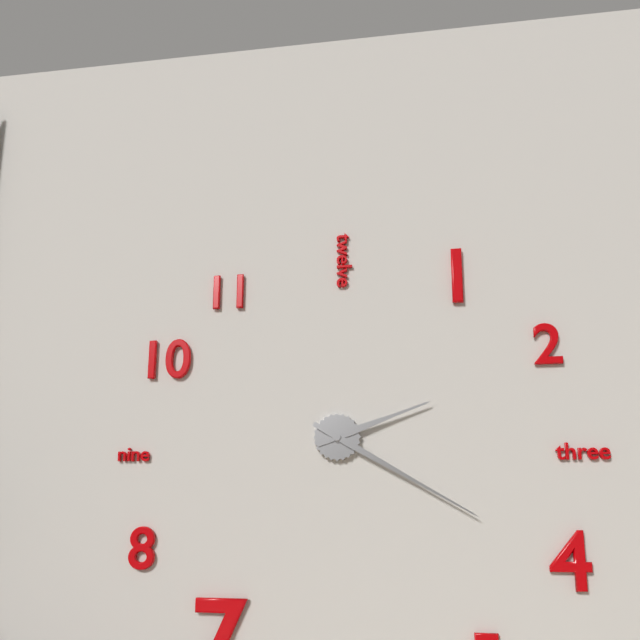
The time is 2h20
